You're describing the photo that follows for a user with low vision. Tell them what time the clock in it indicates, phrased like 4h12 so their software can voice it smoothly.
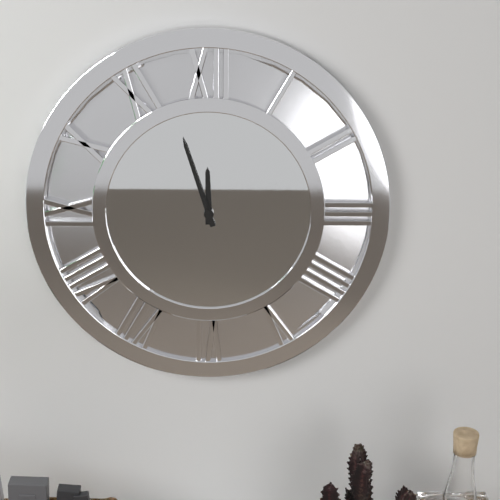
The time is 11h57
